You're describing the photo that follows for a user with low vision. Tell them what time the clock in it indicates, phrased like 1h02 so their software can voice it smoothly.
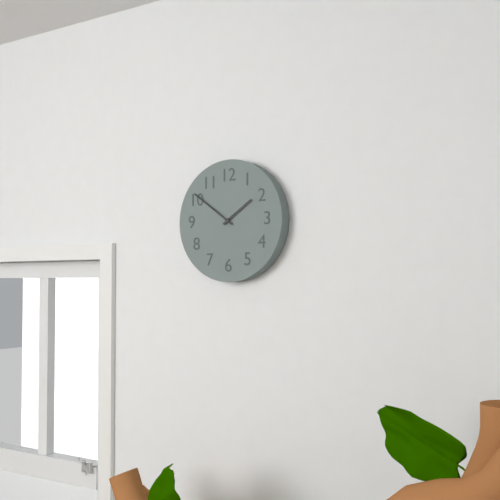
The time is 1h51
